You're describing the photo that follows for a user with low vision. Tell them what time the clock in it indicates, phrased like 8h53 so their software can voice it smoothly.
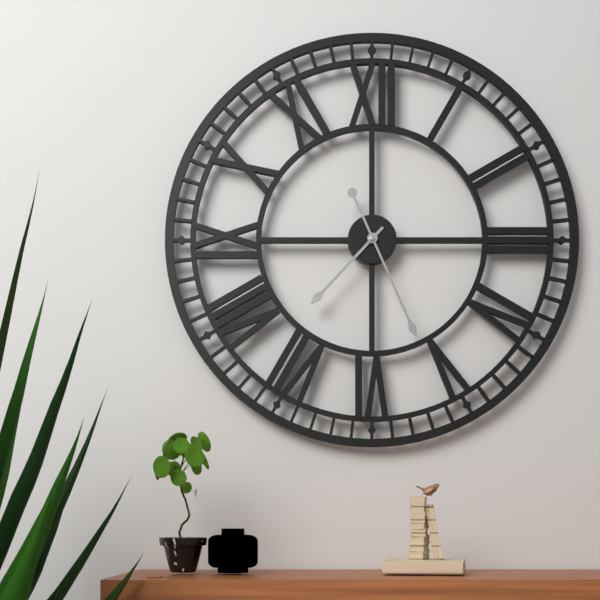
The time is 7h26
